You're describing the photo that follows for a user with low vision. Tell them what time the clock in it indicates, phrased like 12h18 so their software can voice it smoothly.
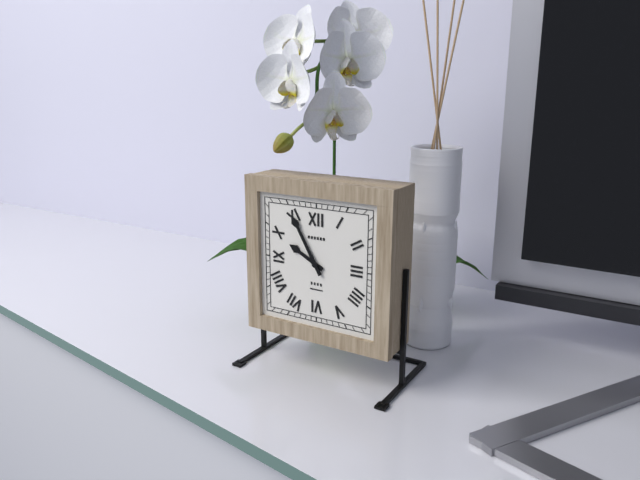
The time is 9h55
